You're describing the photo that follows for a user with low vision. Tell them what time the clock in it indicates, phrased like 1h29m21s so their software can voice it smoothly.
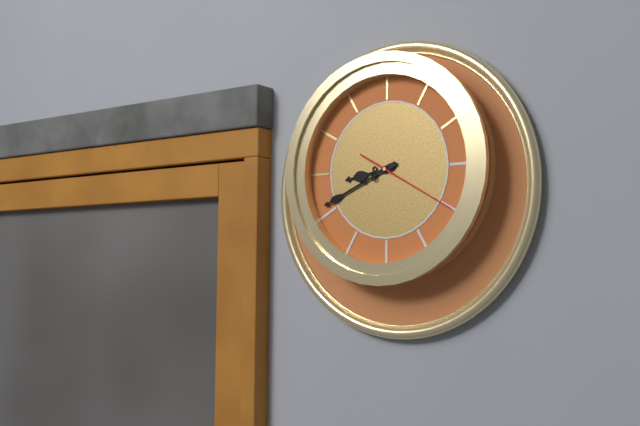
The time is 8h41m20s
